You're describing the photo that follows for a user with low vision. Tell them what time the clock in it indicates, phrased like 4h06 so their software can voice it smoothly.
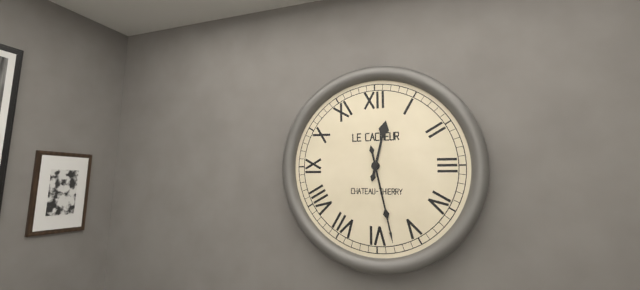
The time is 12h28
